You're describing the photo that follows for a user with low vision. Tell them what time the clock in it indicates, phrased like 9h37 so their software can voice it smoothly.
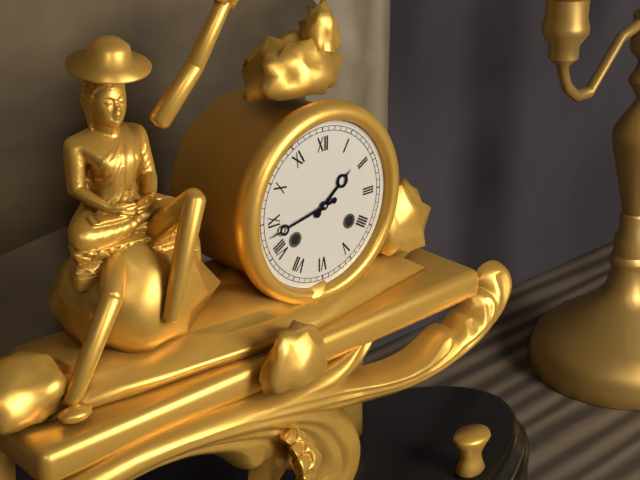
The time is 1h43
